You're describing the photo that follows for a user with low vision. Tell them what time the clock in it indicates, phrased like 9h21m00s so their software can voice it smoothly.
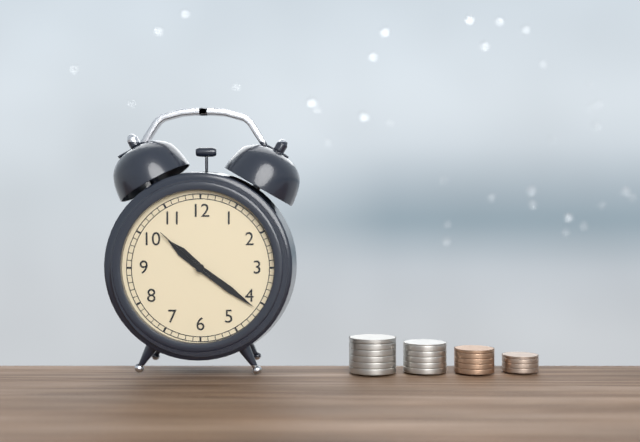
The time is 10h21m52s
